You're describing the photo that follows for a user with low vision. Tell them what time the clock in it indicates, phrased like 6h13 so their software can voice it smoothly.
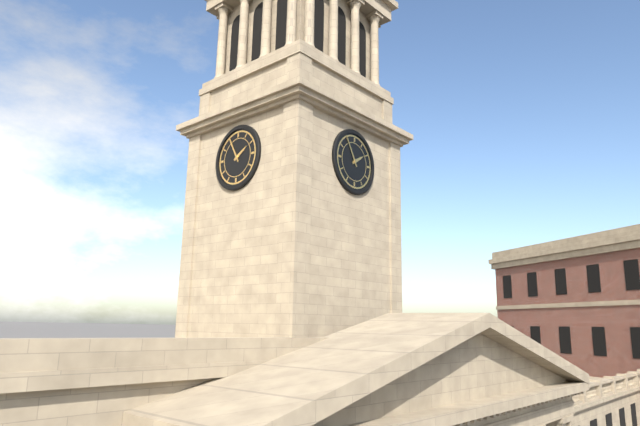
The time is 1h55
